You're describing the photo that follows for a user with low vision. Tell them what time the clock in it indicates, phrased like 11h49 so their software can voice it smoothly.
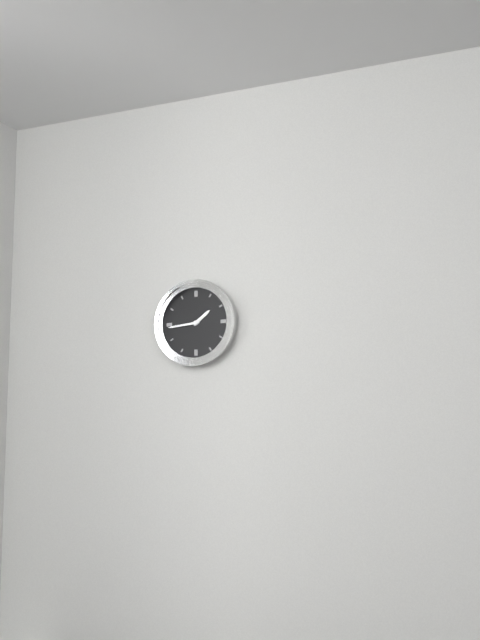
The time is 1h44
